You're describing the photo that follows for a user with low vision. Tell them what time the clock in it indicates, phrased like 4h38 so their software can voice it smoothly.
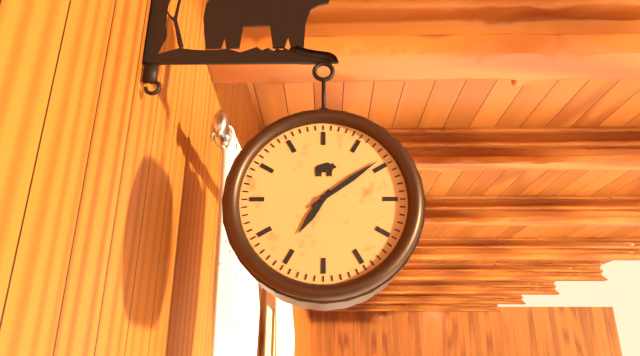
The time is 7h09
